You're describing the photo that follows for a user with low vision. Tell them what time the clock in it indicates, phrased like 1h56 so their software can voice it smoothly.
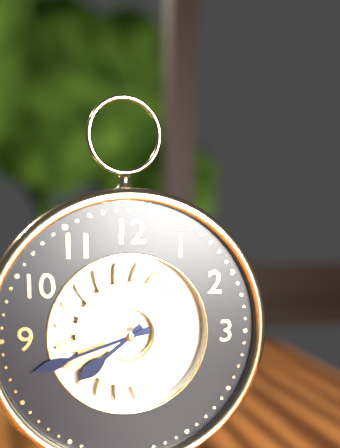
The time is 7h42
